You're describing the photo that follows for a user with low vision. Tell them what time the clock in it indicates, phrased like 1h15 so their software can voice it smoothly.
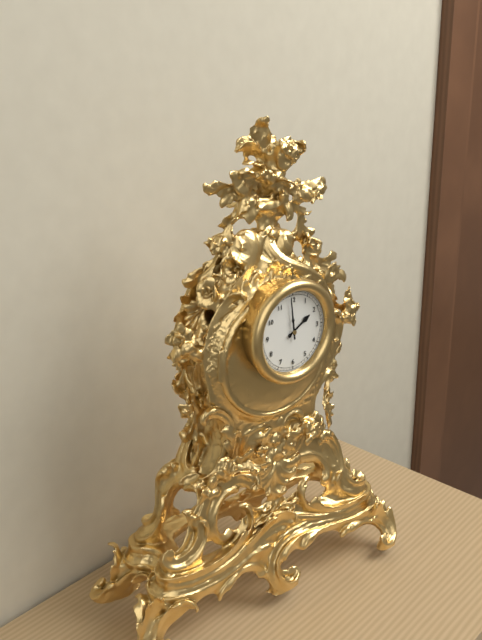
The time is 1h59
